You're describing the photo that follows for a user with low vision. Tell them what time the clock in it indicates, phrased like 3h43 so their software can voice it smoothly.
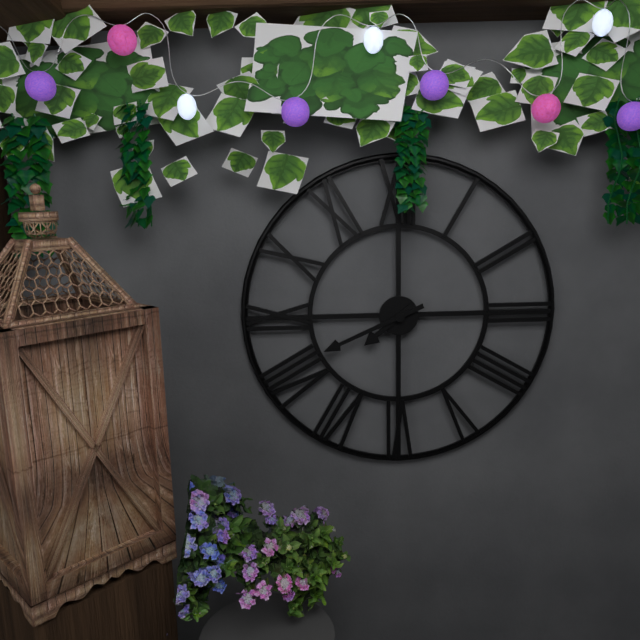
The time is 7h41
